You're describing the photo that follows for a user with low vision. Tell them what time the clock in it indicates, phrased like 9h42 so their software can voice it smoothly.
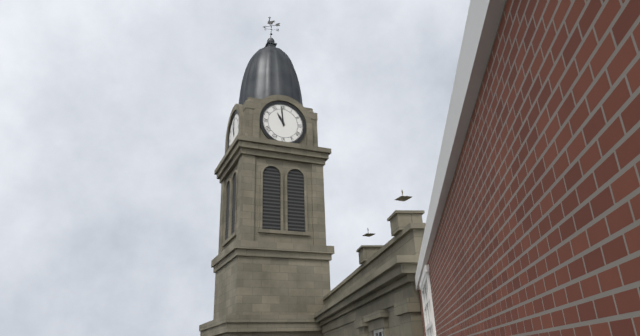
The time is 10h59
